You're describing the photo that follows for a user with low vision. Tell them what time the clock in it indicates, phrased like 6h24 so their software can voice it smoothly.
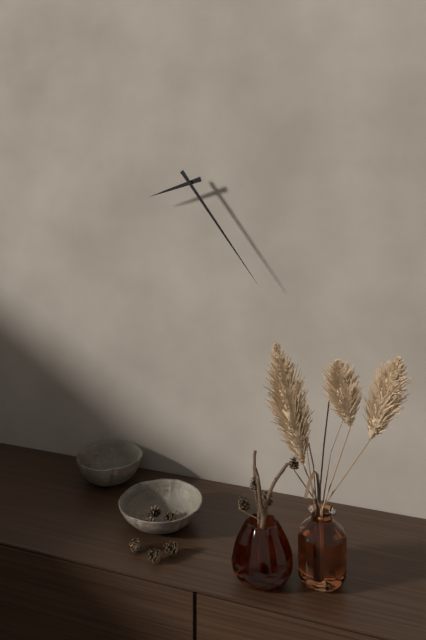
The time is 8h24
